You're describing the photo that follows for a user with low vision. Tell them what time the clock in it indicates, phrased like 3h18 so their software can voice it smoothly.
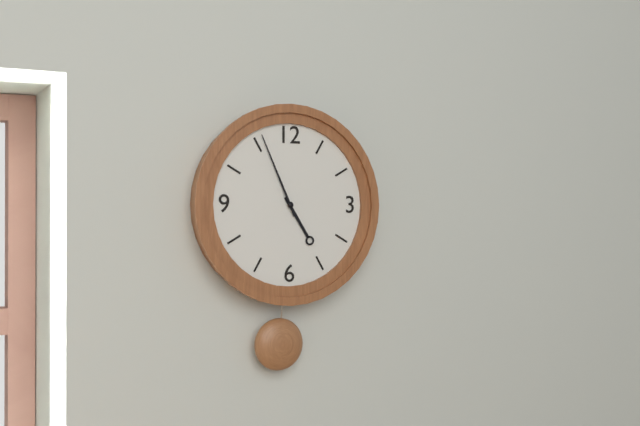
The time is 4h56
